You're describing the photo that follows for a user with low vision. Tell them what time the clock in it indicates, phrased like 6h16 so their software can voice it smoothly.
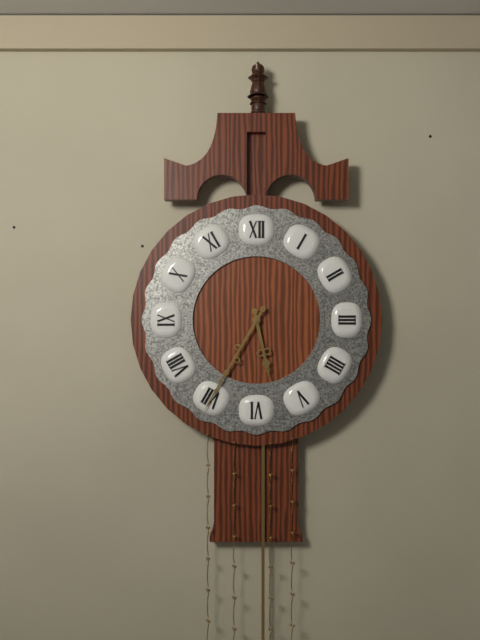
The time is 5h35
